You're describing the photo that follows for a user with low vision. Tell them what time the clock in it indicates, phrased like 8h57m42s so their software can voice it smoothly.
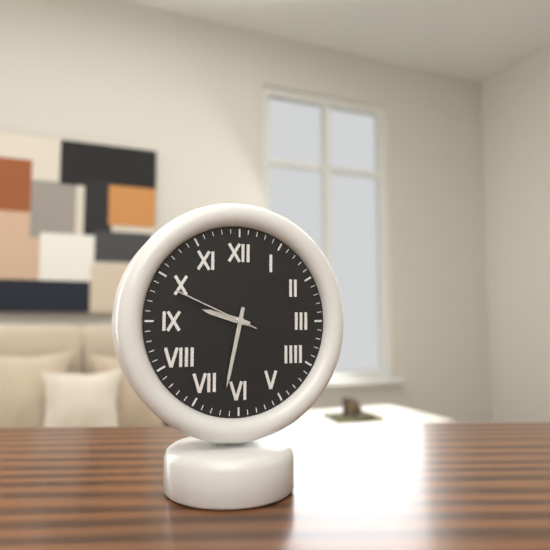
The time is 9h32m49s
